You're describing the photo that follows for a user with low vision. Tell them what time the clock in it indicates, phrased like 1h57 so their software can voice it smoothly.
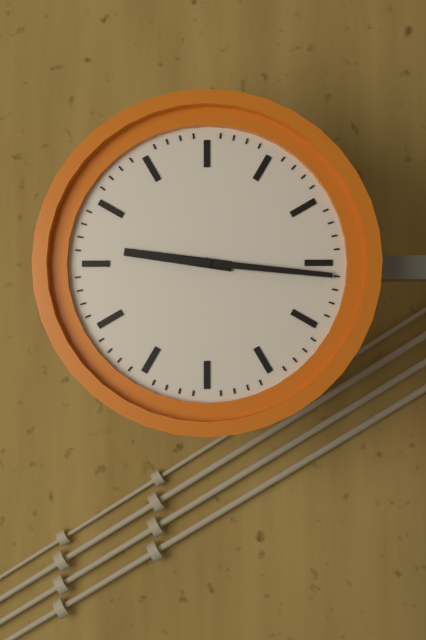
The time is 9h16
